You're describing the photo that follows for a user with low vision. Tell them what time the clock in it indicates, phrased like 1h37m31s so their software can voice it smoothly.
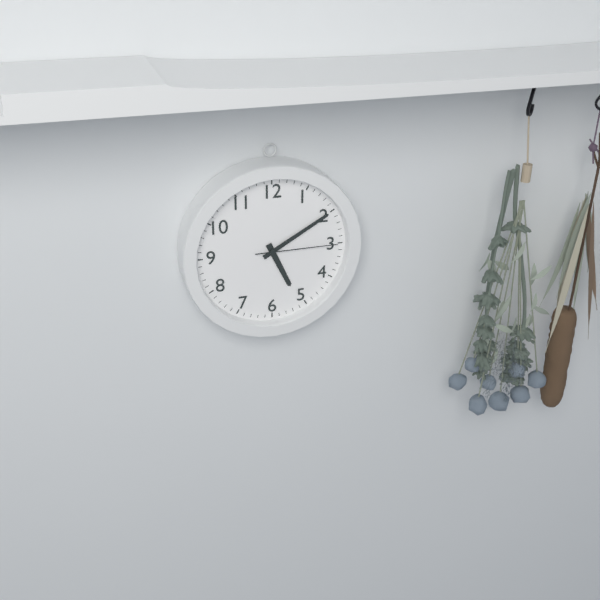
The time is 5h10m15s
